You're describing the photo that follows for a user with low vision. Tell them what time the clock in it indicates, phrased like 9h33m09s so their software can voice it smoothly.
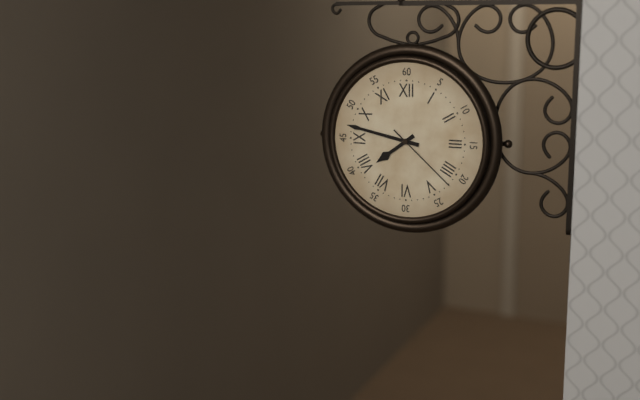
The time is 7h47m22s
